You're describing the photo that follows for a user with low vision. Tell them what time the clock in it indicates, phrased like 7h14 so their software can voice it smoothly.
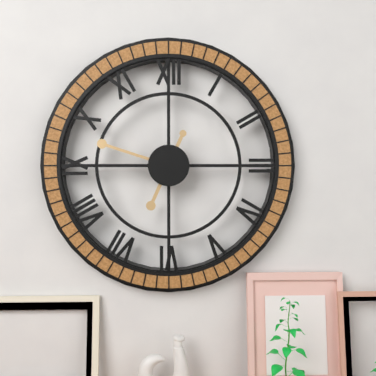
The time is 6h48
